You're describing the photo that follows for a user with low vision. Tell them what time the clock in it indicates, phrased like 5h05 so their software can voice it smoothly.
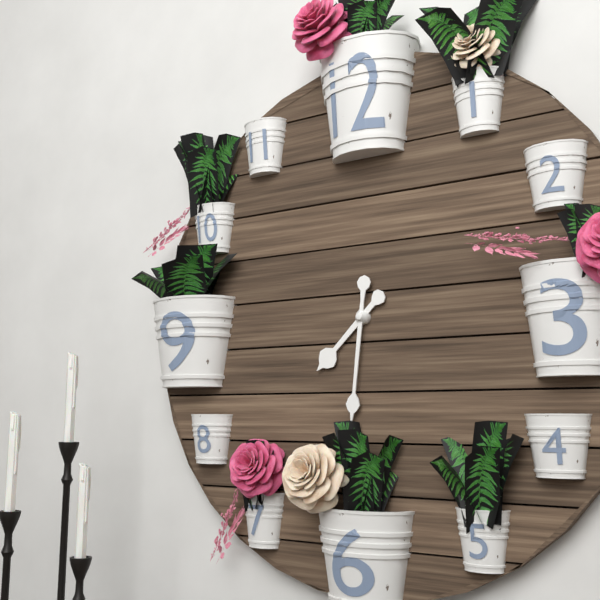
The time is 7h31
